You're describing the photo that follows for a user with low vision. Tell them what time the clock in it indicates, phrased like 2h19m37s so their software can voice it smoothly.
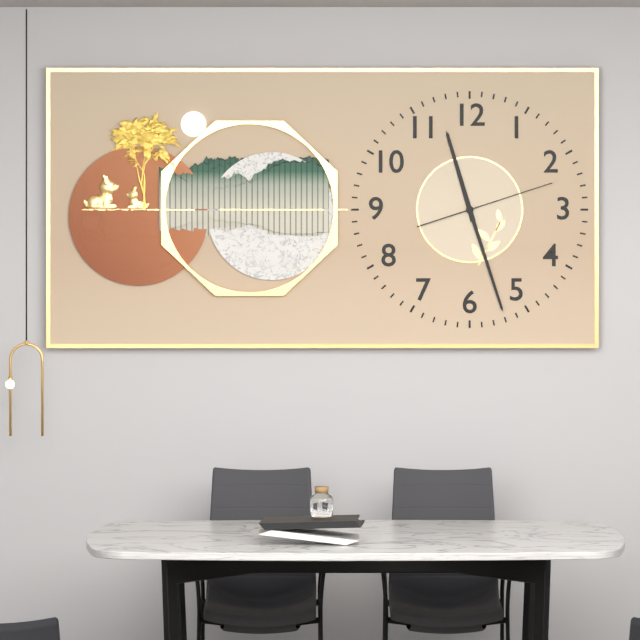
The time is 11h27m12s
